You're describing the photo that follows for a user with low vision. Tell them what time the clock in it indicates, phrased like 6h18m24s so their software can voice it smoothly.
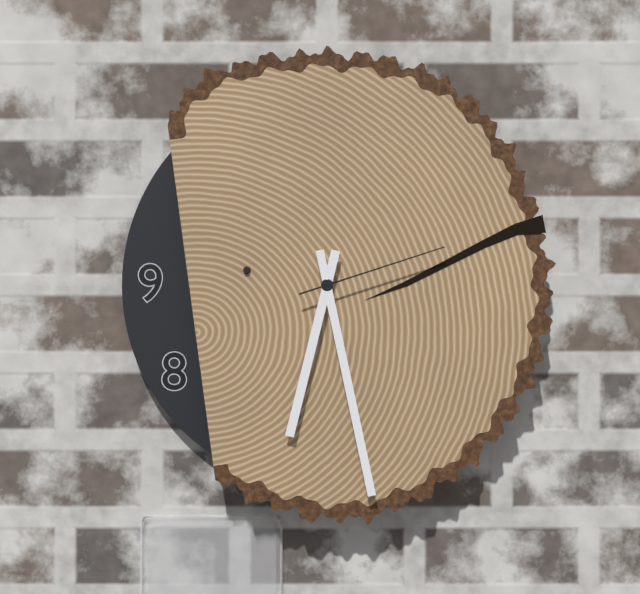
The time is 6h28m12s
